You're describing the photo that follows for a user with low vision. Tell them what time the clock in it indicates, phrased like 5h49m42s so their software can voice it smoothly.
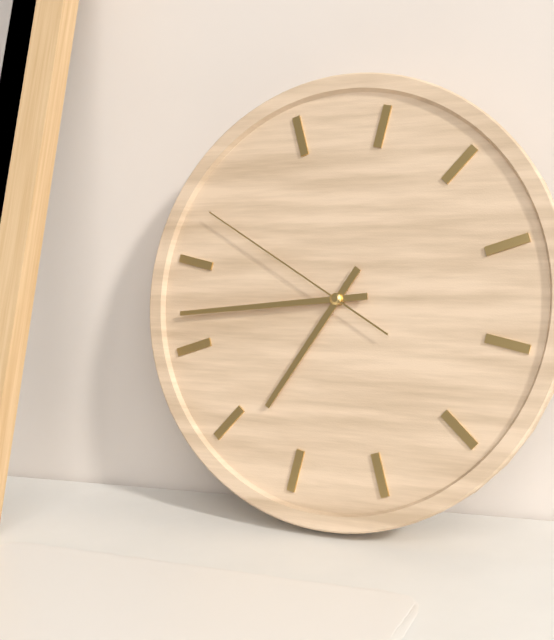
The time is 6h42m48s
